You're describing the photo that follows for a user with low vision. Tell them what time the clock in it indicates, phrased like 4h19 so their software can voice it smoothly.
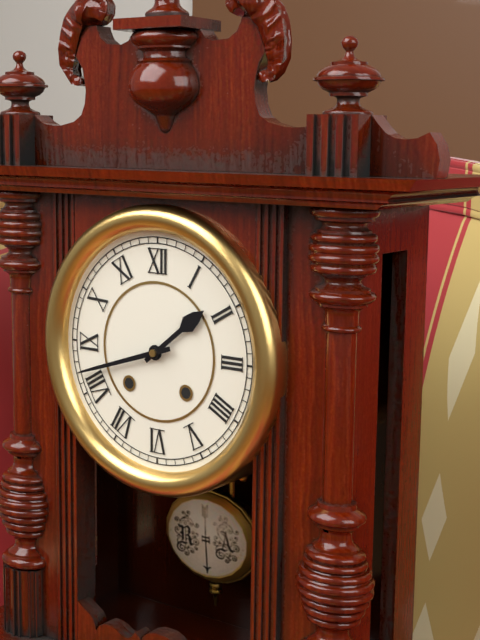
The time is 1h42
